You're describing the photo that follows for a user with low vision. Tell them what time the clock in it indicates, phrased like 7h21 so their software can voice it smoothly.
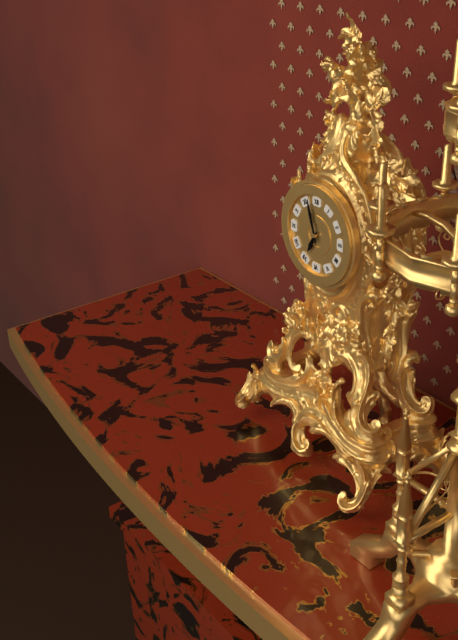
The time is 6h57
